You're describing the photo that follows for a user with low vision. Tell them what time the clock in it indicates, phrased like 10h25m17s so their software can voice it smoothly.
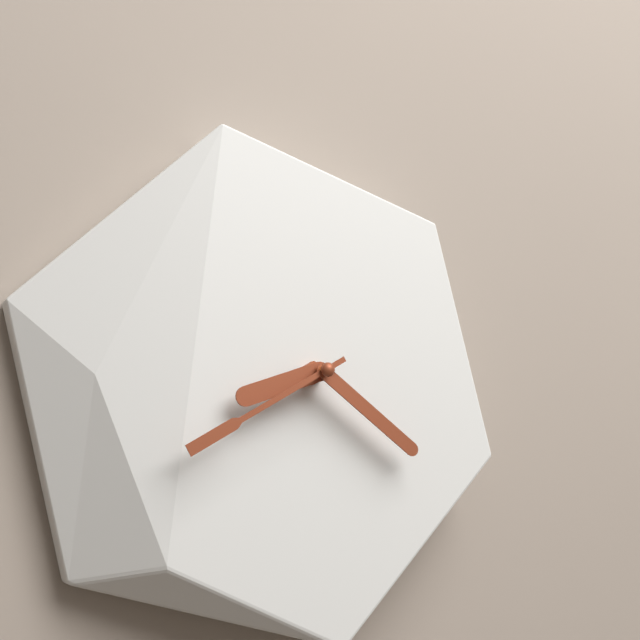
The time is 8h21m40s
